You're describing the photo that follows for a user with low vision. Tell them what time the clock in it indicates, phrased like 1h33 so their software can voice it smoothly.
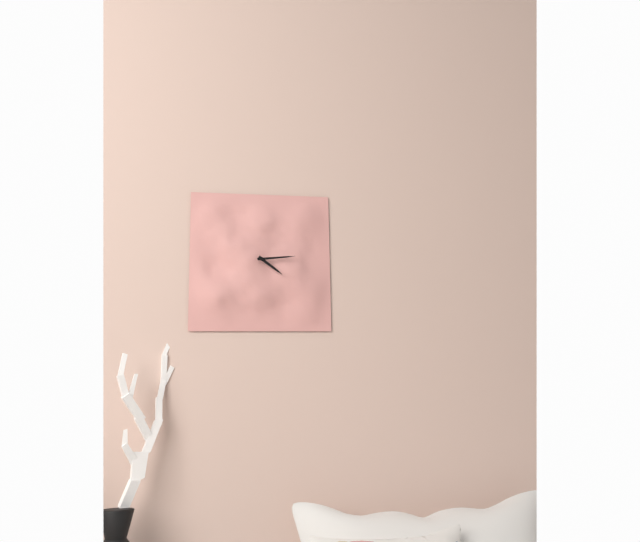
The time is 4h14
